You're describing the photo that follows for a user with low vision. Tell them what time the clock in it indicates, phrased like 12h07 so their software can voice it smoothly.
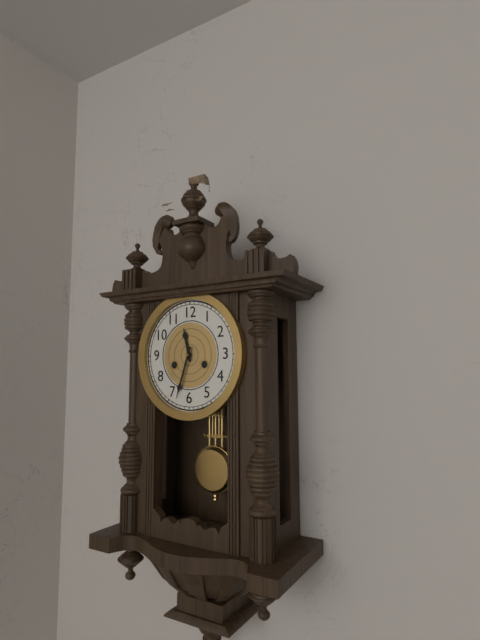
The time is 11h33
